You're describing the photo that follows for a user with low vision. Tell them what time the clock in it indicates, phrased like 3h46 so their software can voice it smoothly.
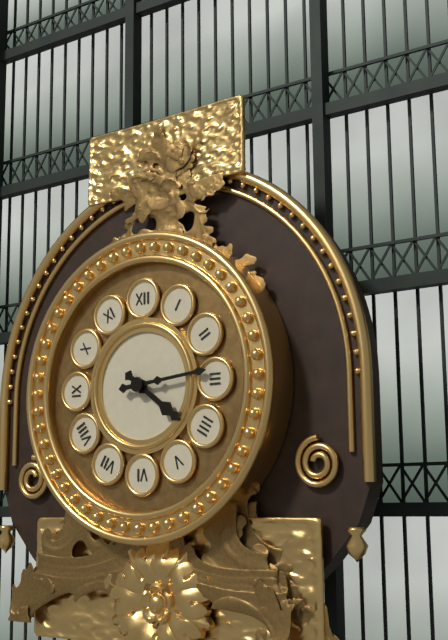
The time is 4h14
